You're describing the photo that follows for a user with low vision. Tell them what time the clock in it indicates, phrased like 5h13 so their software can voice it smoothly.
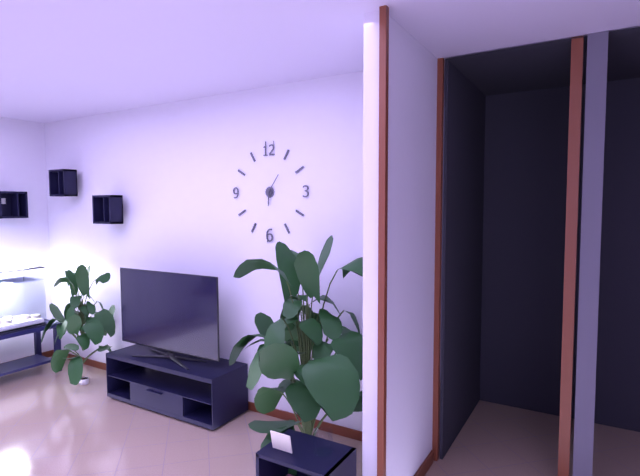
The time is 6h06
